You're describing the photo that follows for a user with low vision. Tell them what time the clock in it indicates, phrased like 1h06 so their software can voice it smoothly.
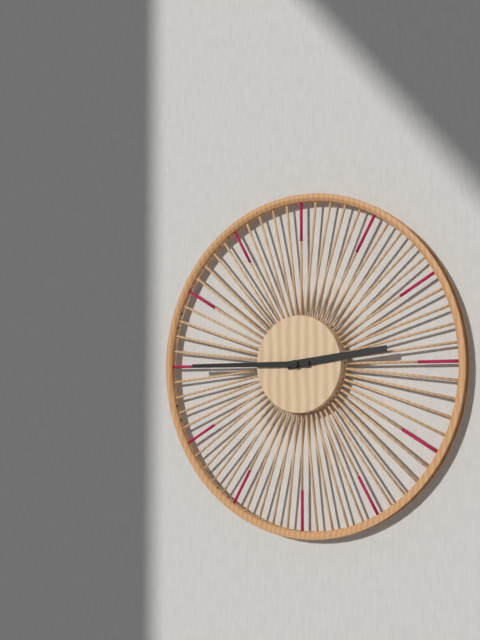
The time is 2h45
